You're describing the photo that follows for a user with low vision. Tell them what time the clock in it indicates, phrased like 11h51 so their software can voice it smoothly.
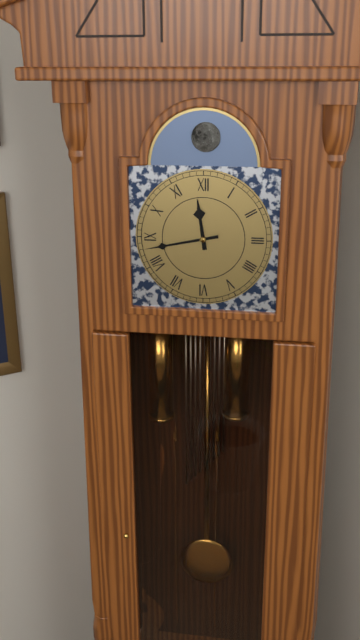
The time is 11h43
